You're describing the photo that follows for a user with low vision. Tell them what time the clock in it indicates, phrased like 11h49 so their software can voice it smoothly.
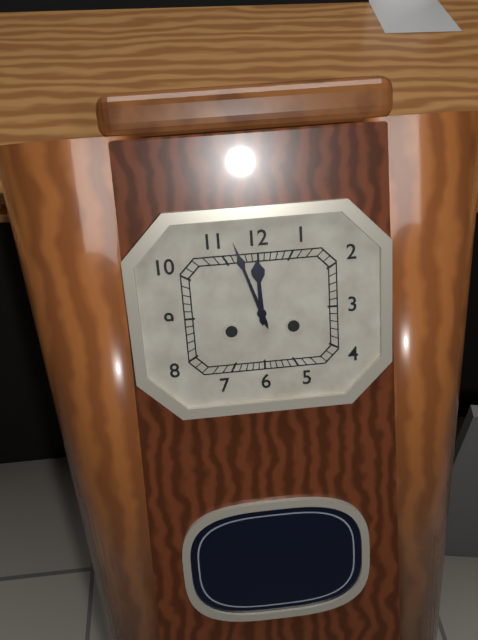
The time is 11h57
